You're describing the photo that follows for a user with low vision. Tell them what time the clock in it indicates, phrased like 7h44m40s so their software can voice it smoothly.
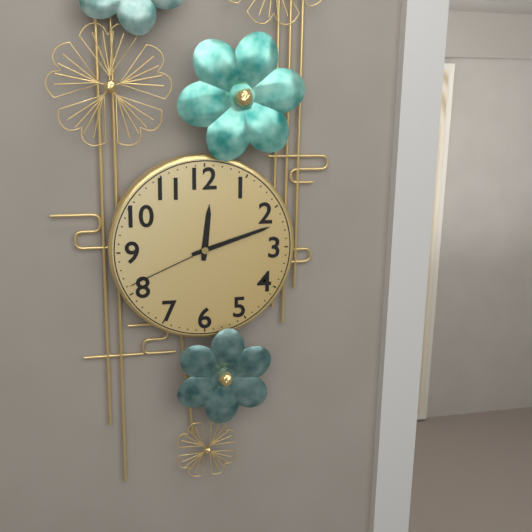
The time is 12h12m41s
